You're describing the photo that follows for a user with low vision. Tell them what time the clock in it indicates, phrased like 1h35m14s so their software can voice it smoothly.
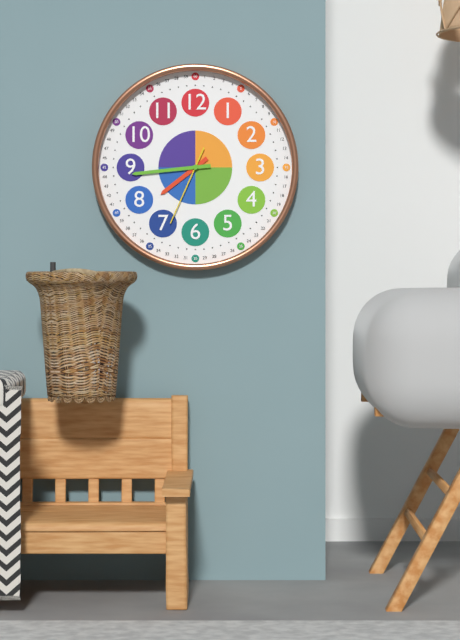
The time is 7h44m34s
